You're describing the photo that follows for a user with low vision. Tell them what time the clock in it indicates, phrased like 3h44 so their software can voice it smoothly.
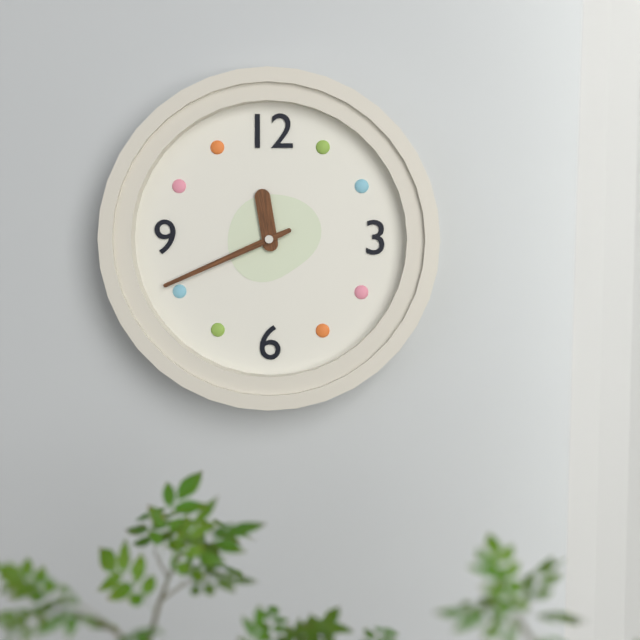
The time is 11h41
